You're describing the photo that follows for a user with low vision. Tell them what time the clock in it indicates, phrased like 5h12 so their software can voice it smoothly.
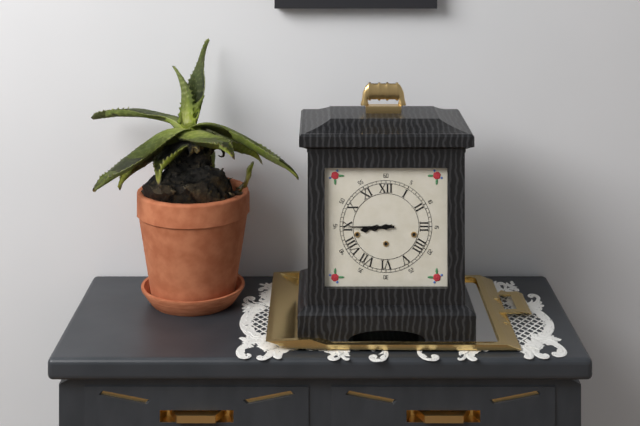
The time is 8h45
